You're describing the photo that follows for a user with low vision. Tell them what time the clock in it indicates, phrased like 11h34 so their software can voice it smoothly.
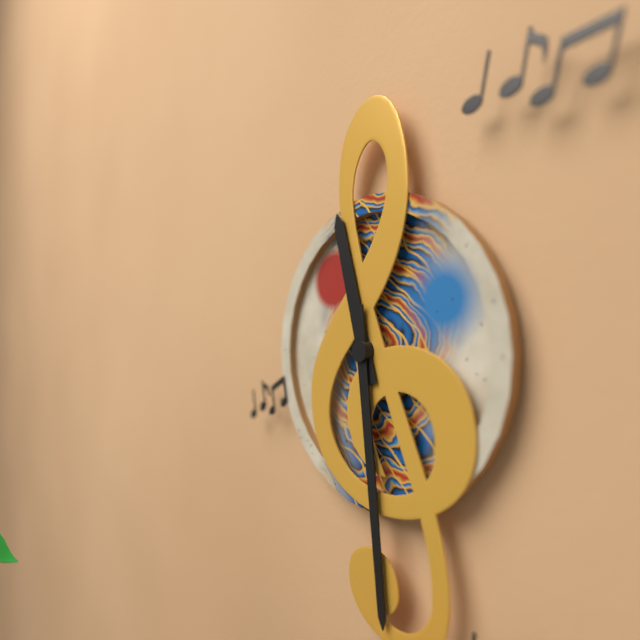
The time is 11h29
